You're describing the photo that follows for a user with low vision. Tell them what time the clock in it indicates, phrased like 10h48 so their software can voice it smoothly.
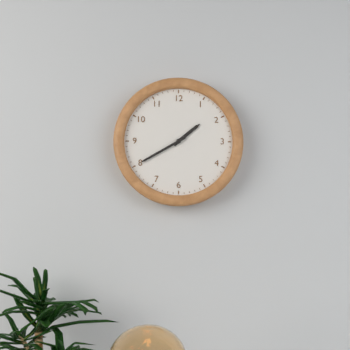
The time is 1h40
